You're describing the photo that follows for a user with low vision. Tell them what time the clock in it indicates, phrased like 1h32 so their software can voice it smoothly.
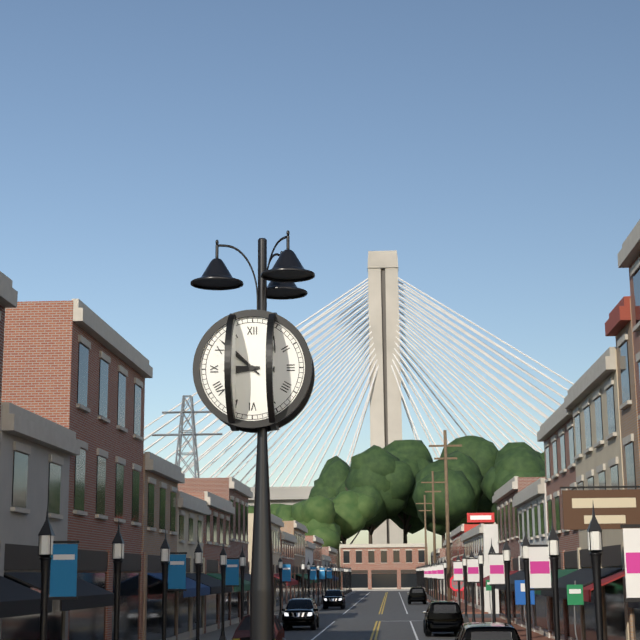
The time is 8h52
